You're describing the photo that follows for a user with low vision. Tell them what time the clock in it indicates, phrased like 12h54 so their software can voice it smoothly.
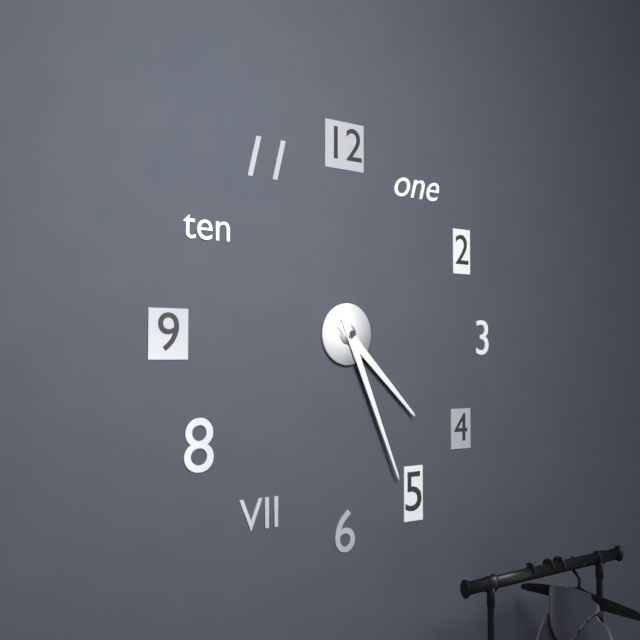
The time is 4h26
